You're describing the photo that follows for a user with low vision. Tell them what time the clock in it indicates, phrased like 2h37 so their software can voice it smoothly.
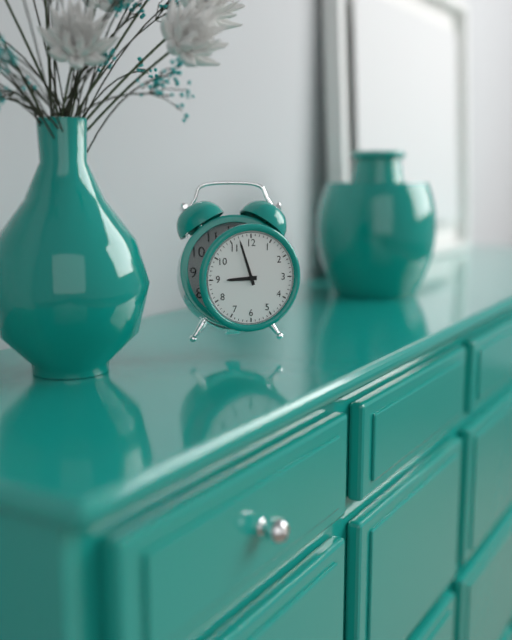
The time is 8h57
